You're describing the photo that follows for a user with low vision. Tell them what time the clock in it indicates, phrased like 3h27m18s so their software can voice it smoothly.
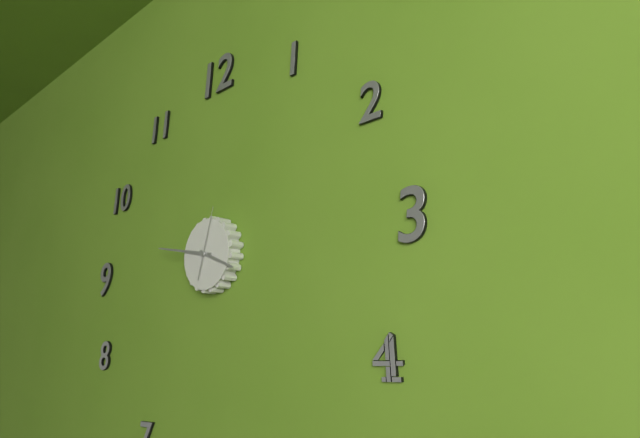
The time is 3h47m03s
